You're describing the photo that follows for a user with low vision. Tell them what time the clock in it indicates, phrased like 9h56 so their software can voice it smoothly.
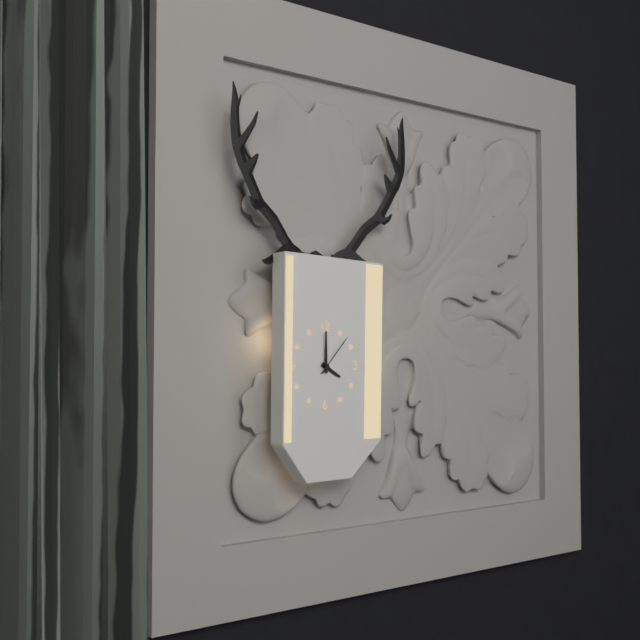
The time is 4h00
